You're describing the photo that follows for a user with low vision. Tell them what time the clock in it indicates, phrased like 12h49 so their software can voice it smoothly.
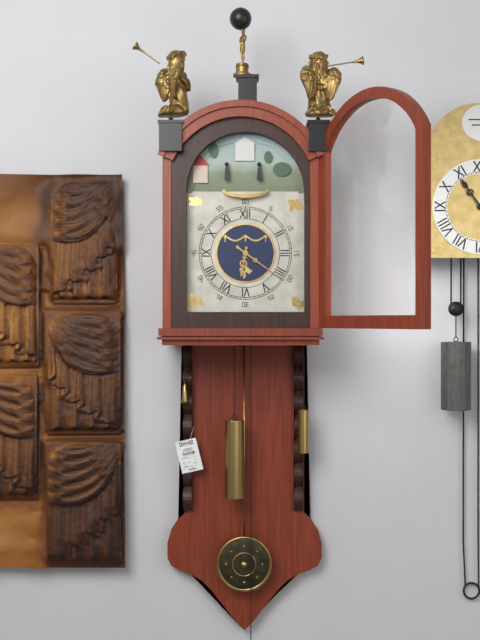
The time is 6h21
